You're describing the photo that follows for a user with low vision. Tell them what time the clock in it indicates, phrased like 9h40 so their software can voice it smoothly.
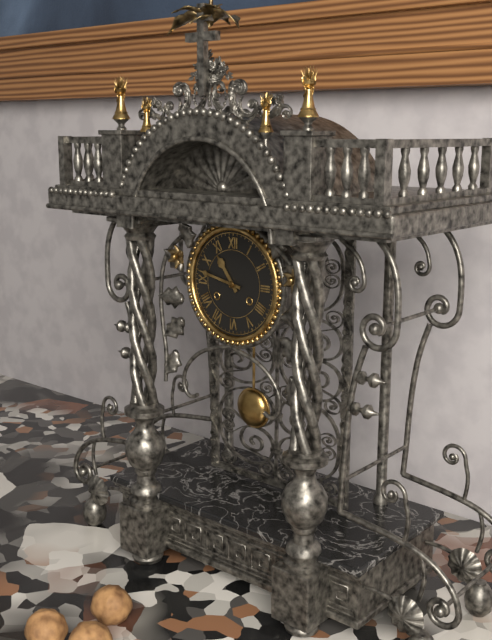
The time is 10h47
